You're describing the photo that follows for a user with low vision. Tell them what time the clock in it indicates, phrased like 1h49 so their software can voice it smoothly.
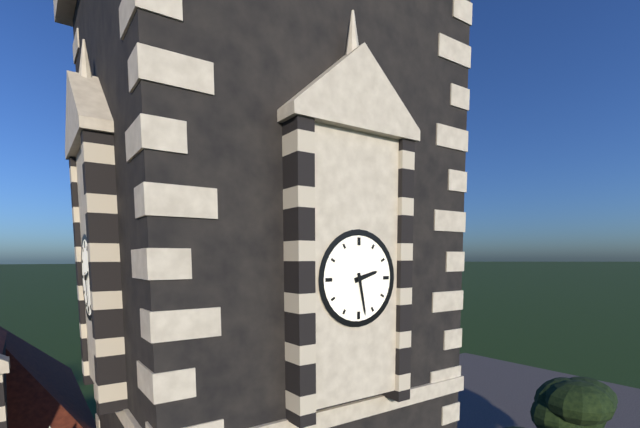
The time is 2h28
